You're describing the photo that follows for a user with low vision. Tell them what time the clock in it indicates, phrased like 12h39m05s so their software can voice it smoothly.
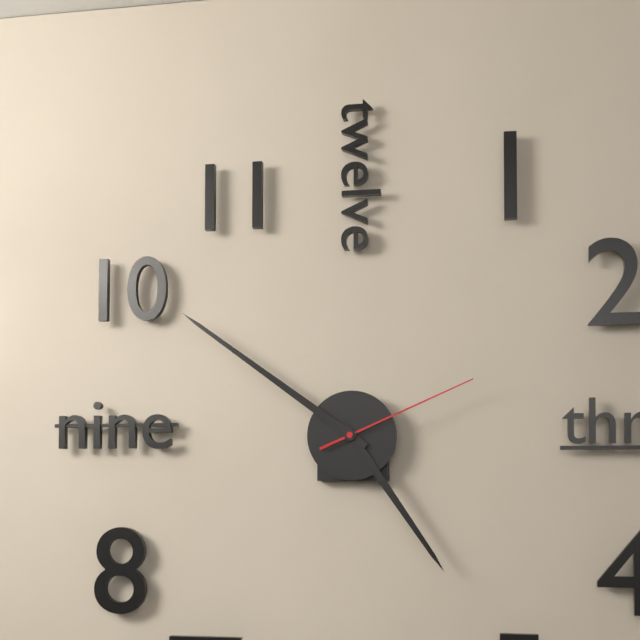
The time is 4h51m11s
